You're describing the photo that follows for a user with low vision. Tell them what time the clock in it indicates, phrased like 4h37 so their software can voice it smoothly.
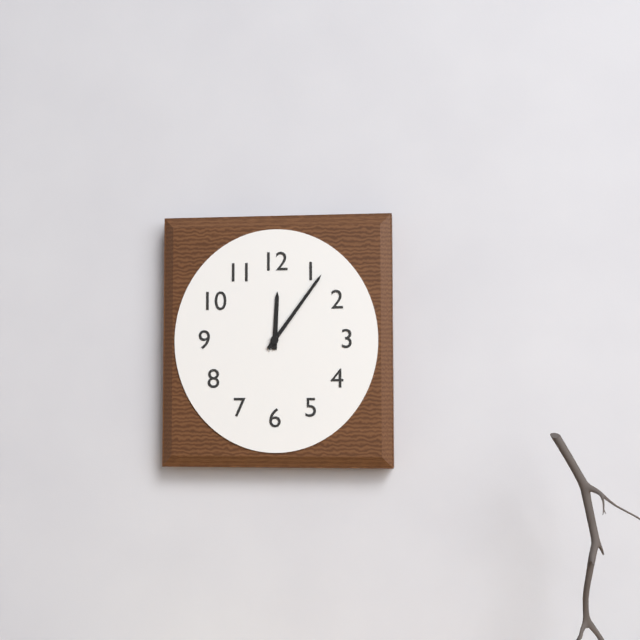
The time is 12h06
